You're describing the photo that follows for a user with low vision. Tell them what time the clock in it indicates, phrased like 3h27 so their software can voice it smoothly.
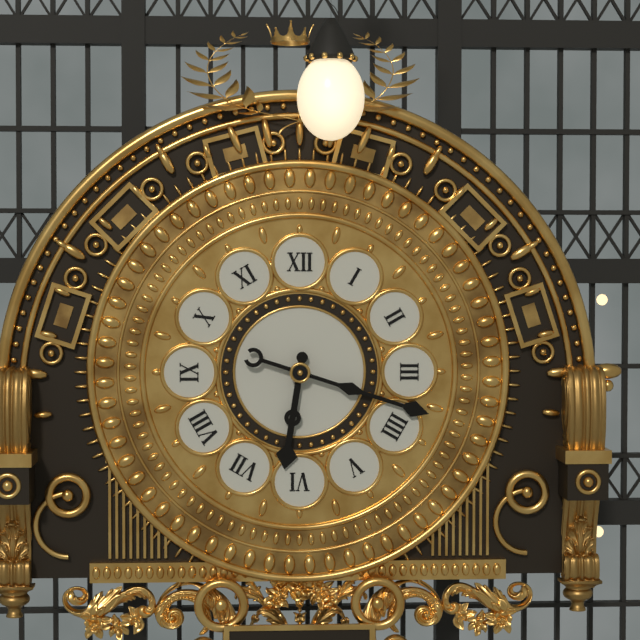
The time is 6h18
